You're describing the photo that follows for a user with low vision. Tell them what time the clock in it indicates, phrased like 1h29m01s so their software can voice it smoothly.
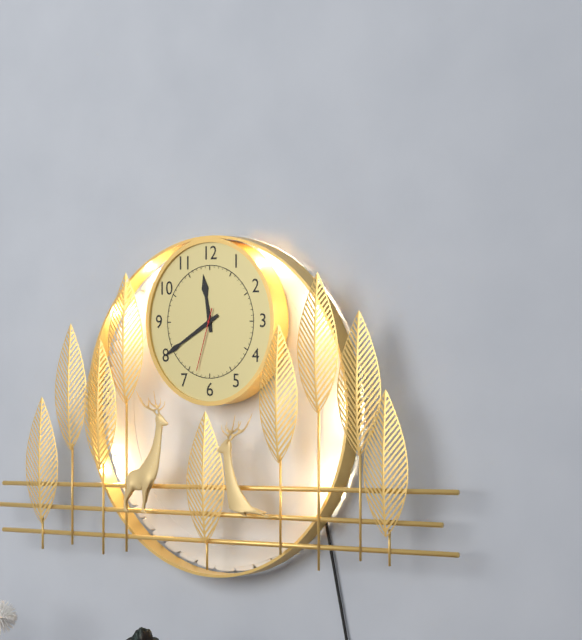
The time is 11h40m33s
